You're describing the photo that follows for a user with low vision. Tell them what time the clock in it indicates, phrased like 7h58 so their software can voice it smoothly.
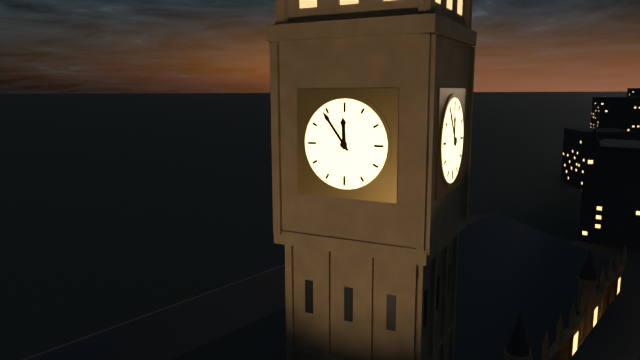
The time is 11h54
